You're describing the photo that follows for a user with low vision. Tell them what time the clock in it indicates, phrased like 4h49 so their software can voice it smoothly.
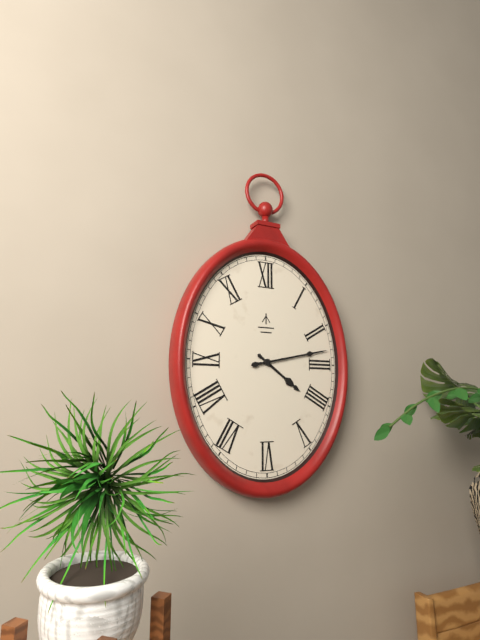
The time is 4h13
